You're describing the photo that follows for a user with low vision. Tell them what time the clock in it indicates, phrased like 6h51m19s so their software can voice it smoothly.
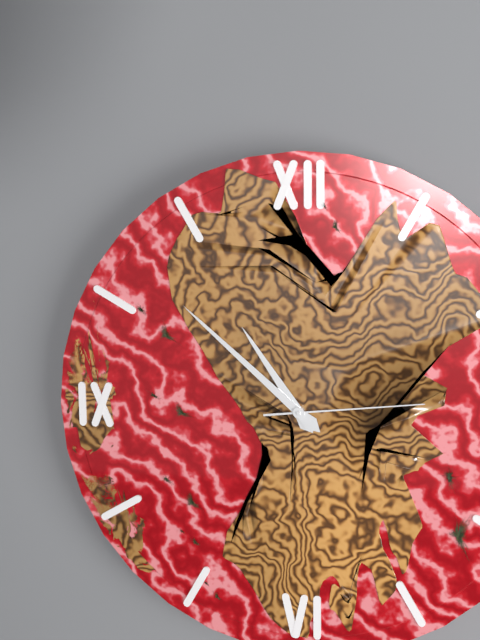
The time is 10h52m14s
